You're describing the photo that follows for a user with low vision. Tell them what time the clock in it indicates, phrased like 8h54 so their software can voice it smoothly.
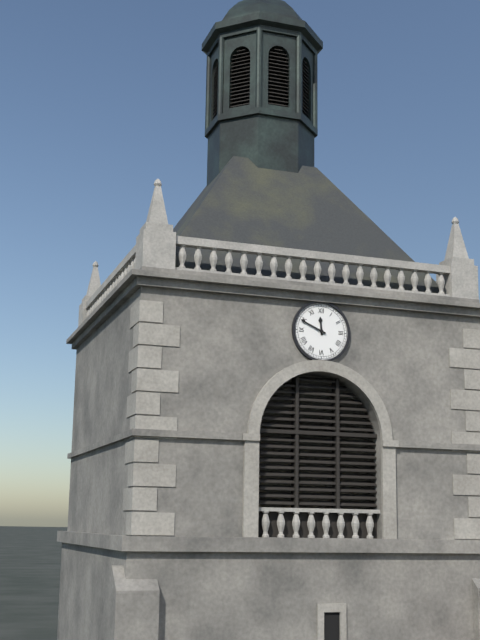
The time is 11h49
